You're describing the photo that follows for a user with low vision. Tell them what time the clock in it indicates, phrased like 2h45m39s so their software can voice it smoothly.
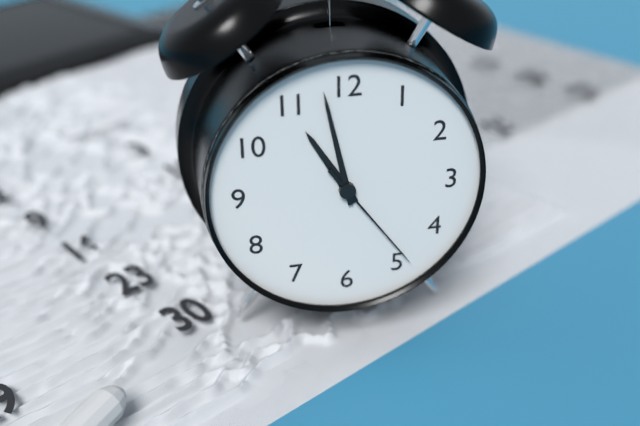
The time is 10h58m24s
